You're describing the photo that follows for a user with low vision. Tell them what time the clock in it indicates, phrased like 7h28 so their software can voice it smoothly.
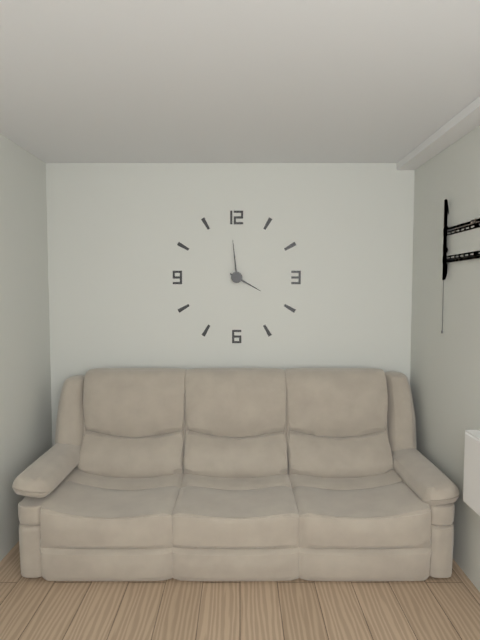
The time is 3h59
